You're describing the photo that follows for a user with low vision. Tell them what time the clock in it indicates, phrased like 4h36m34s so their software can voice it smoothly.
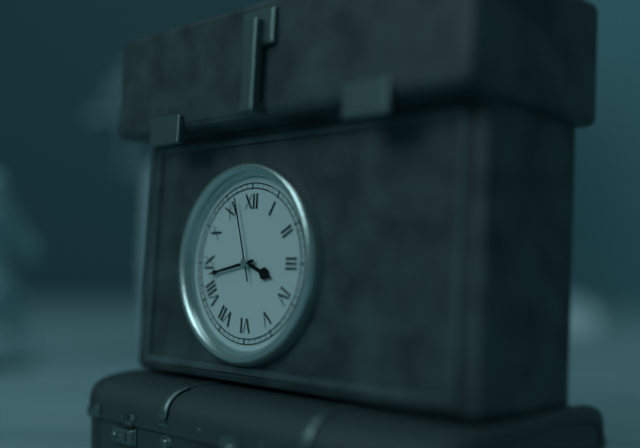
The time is 3h43m57s
